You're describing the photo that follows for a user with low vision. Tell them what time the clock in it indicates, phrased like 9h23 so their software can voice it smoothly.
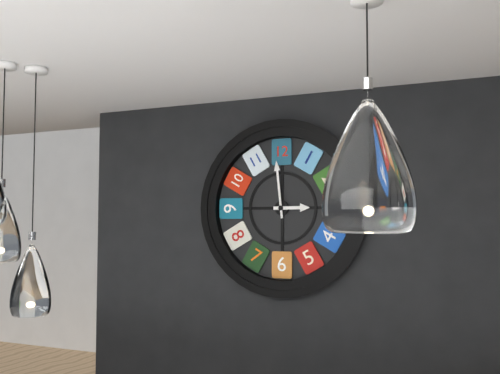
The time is 2h59
